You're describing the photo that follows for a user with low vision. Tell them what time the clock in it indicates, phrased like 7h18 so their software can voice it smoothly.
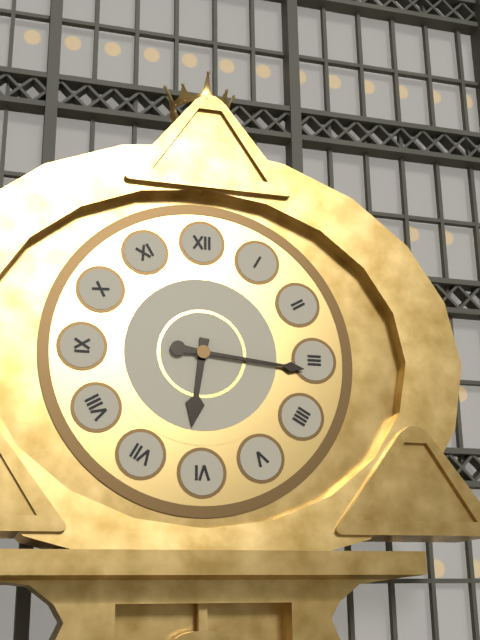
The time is 6h16
